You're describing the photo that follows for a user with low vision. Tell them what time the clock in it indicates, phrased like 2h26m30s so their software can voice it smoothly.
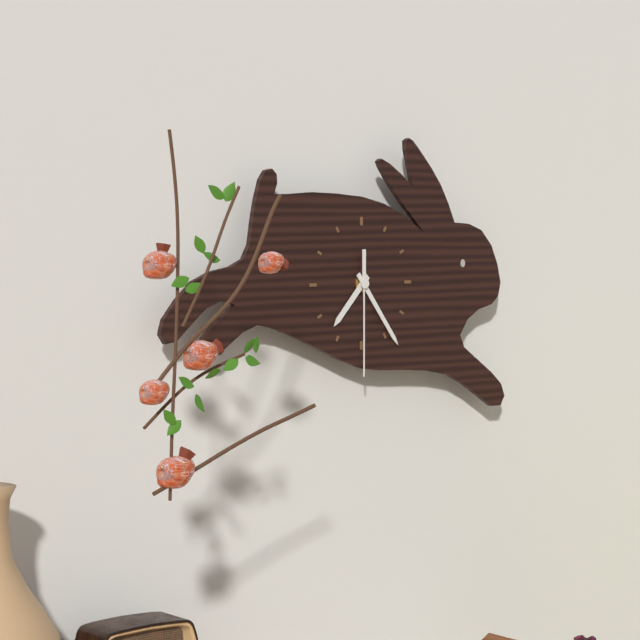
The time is 7h24m30s
